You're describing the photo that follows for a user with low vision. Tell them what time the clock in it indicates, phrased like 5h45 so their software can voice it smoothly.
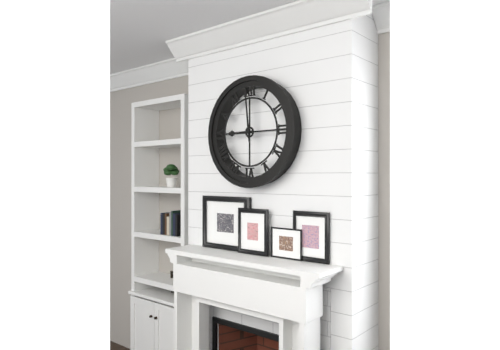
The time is 8h59
